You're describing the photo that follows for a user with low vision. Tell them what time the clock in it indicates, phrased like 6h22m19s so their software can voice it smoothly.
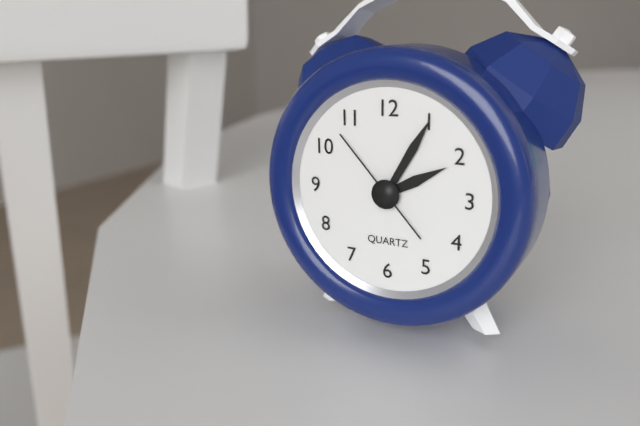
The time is 2h05m53s
